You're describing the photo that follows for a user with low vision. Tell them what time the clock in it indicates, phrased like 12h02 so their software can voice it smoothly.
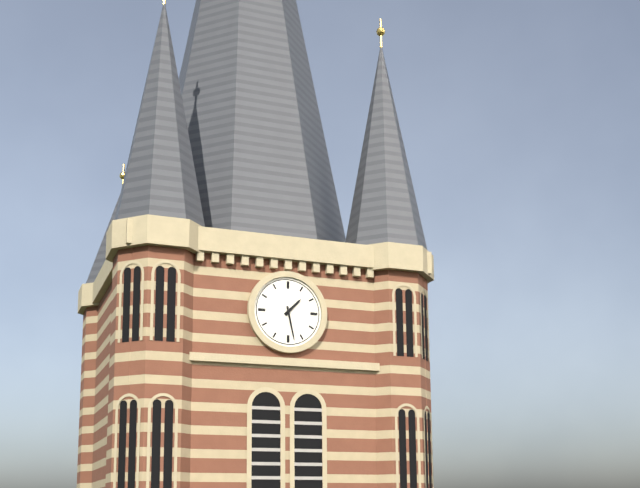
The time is 1h28
